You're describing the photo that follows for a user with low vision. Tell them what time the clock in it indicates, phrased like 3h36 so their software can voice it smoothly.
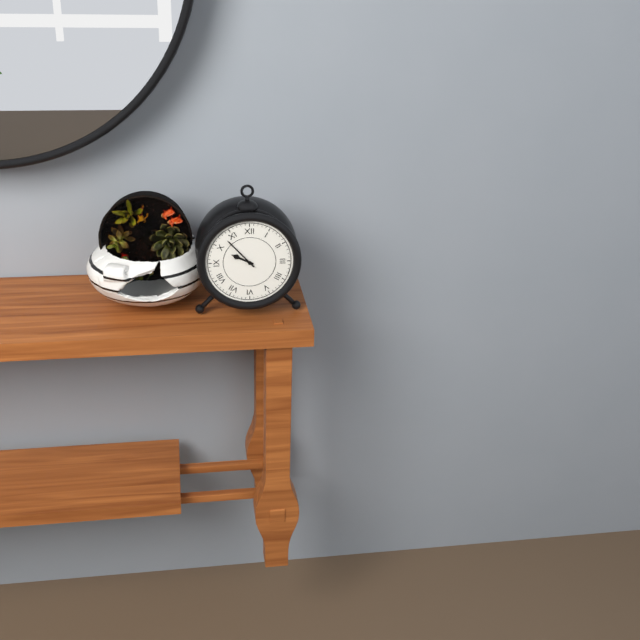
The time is 9h53
